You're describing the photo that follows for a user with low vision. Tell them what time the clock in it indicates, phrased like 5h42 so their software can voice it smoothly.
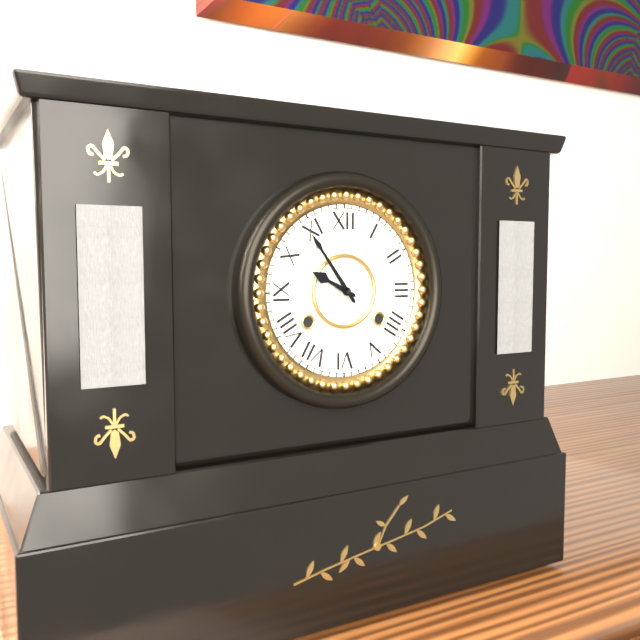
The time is 9h54
